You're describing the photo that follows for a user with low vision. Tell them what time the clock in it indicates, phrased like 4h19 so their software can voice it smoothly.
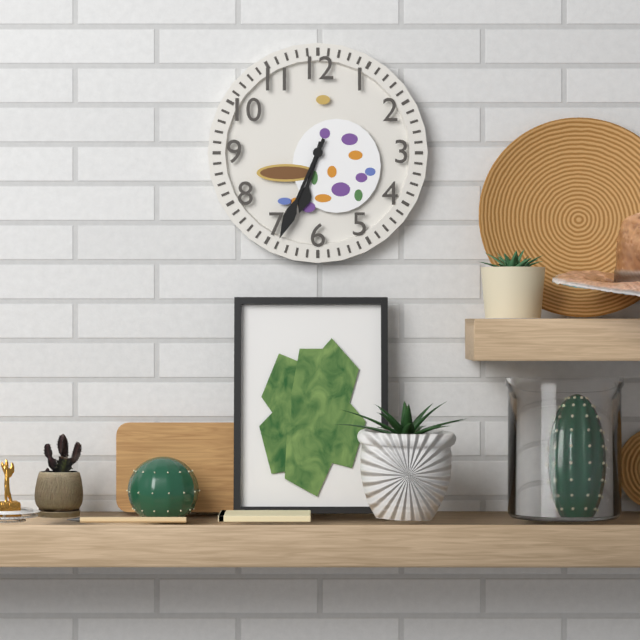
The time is 6h34
